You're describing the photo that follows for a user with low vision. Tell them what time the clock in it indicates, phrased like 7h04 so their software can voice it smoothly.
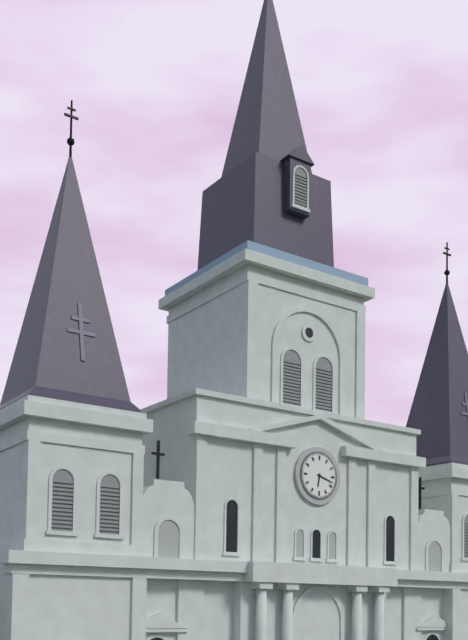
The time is 6h18
